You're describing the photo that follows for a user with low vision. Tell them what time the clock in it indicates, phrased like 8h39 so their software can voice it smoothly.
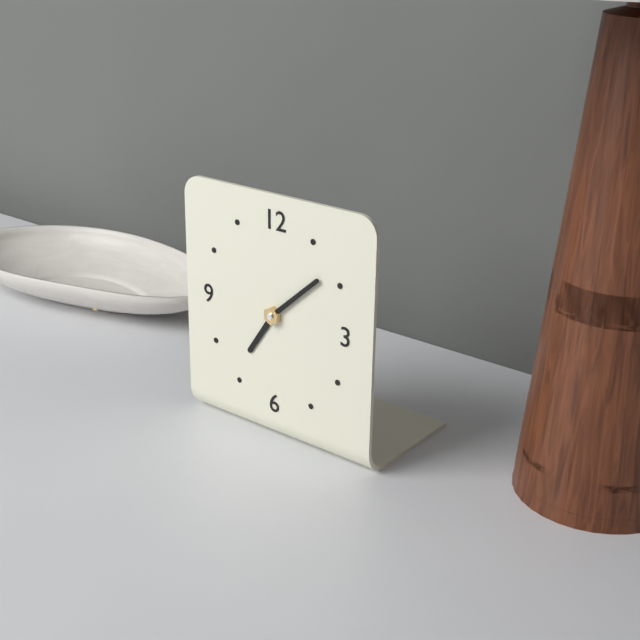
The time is 7h08
